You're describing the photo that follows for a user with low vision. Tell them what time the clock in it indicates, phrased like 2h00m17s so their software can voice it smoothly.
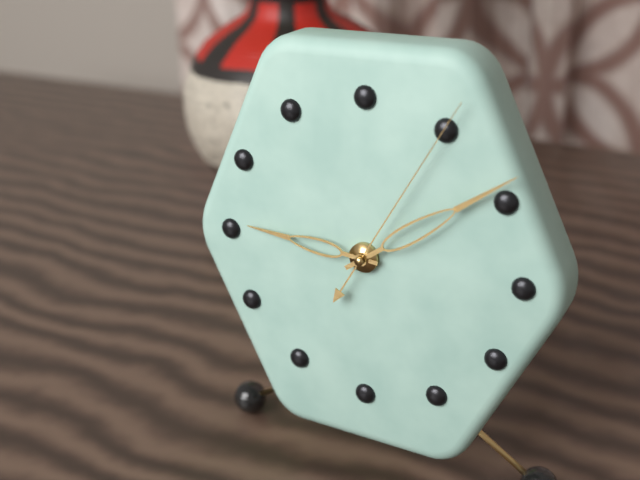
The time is 9h09m05s
